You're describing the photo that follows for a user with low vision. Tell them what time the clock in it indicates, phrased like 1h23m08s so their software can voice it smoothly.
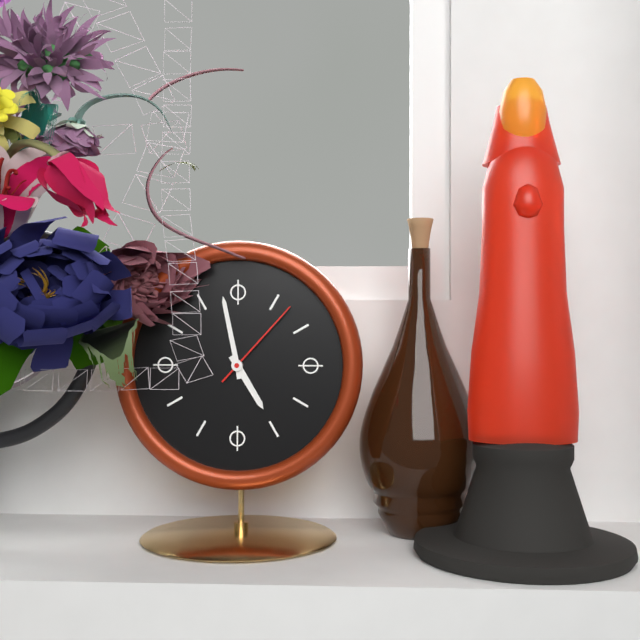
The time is 4h58m07s
